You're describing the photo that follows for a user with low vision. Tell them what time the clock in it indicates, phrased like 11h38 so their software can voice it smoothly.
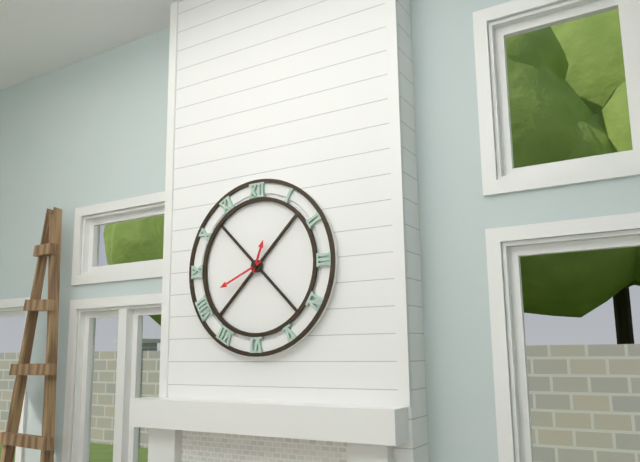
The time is 12h41
